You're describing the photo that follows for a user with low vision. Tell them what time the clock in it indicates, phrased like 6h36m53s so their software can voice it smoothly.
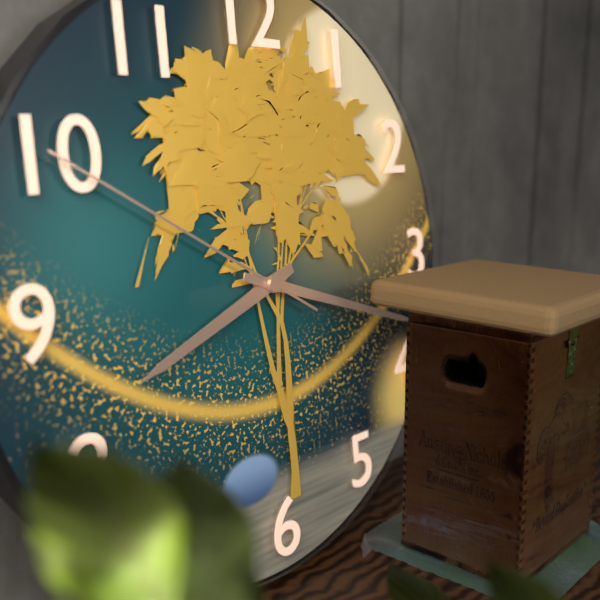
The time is 8h18m50s
